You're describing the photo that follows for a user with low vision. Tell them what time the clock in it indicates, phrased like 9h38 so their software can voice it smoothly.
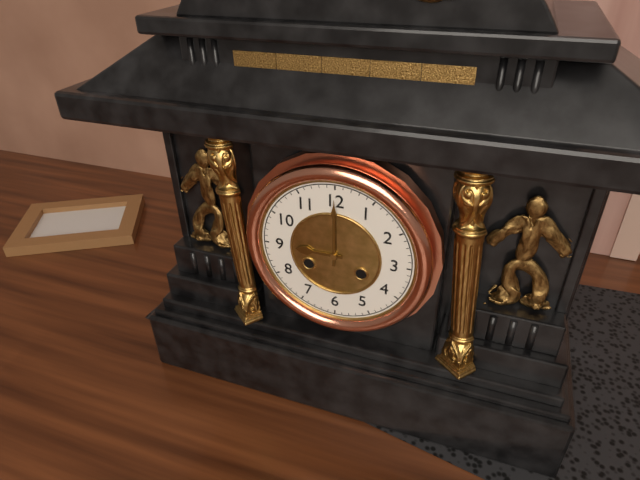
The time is 9h00
